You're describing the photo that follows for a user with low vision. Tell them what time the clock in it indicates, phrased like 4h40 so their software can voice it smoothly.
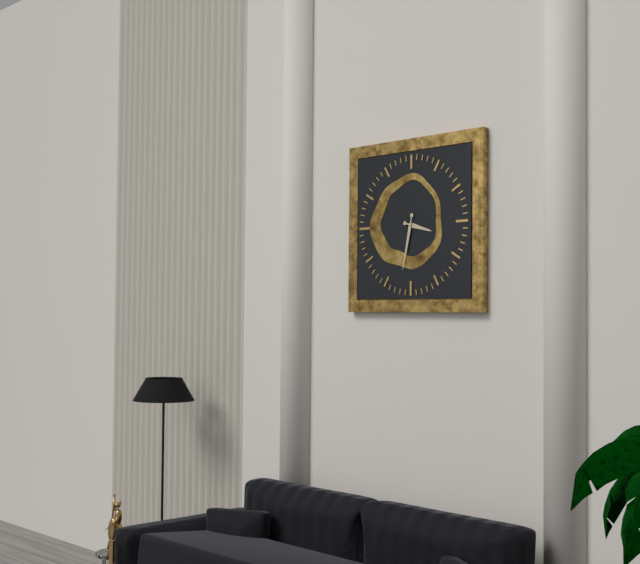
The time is 3h32
